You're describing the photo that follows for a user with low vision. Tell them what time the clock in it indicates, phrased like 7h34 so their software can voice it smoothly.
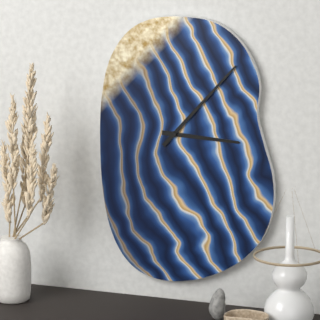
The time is 3h07
